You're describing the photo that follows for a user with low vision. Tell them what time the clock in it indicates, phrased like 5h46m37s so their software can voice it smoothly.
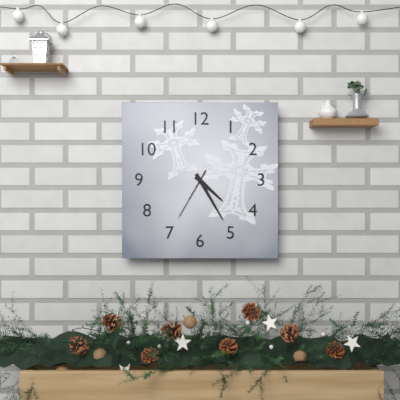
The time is 4h25m35s
